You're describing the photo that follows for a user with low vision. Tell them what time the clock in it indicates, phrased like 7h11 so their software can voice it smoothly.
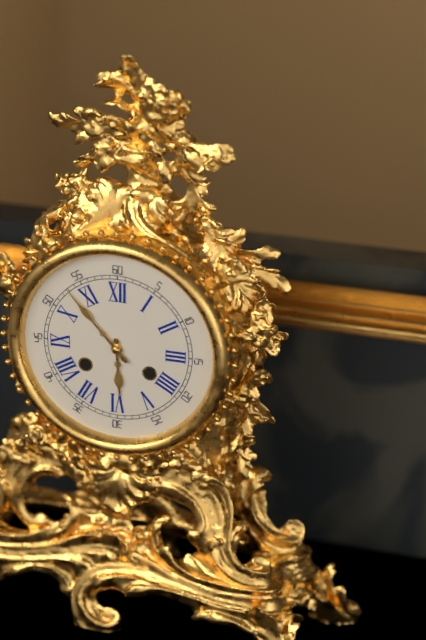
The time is 5h53
